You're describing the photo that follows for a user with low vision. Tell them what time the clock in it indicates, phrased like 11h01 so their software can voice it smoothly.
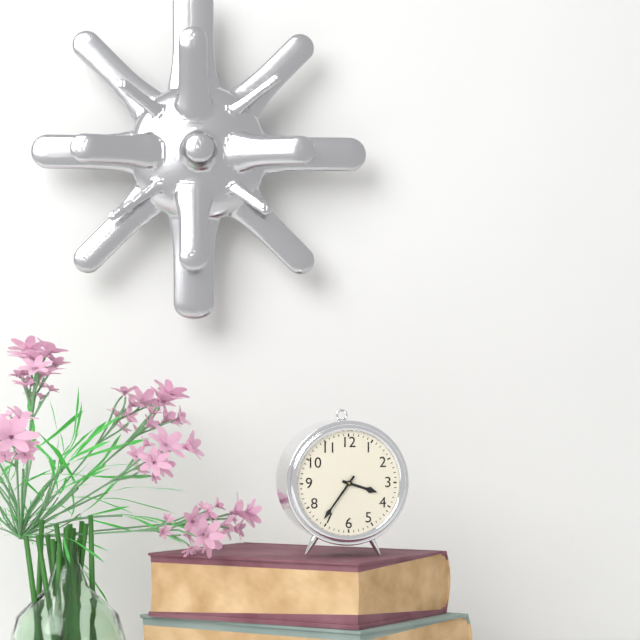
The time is 3h36
